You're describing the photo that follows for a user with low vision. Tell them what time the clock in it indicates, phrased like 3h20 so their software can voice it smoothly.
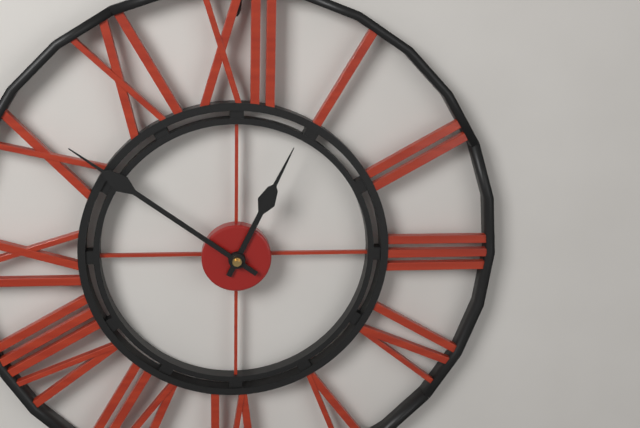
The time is 12h51
